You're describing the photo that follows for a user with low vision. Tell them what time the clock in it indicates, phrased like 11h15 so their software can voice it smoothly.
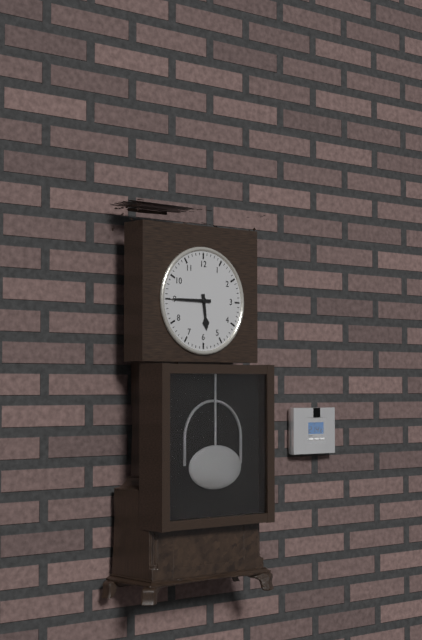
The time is 5h45
